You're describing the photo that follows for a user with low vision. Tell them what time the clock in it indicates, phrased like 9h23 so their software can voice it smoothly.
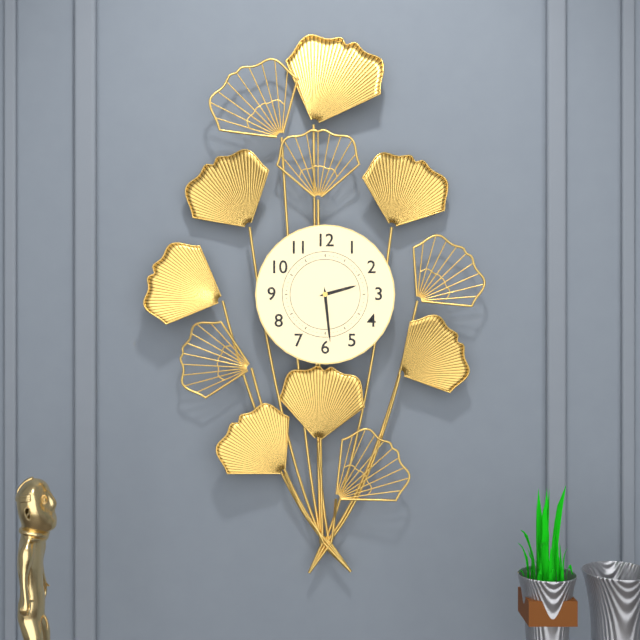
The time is 2h29
